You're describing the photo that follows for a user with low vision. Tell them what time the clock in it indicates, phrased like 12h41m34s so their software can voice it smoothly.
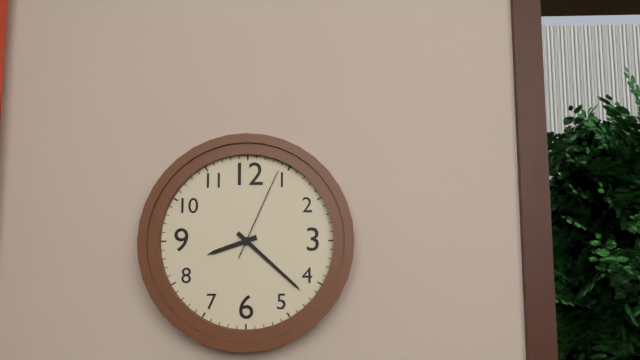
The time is 8h22m04s
